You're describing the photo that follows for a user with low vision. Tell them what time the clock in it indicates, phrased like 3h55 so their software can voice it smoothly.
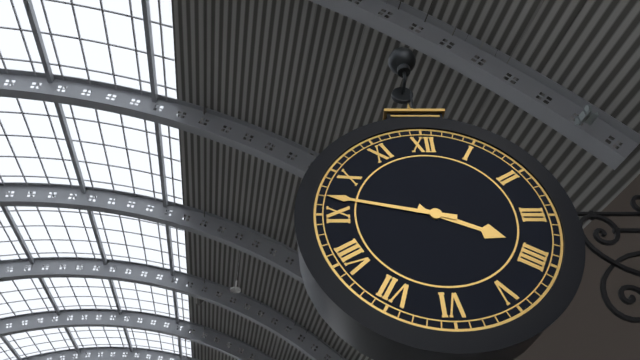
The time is 3h47
